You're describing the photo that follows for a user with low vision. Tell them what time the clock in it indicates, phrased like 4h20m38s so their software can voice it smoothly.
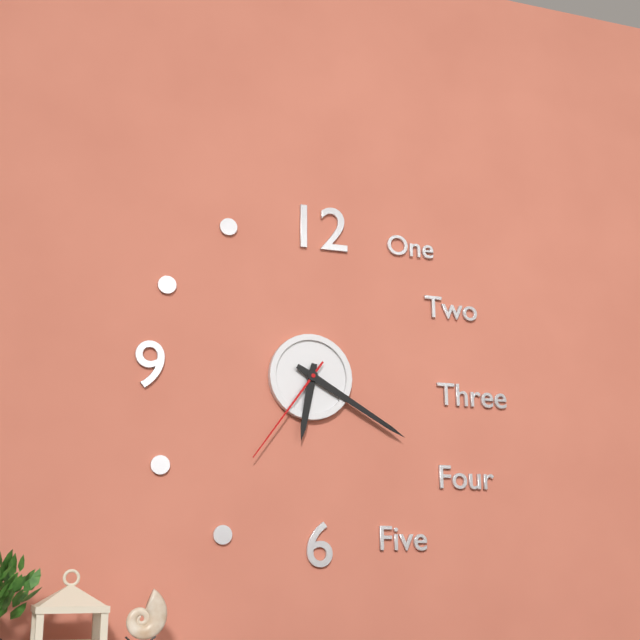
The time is 6h20m36s
